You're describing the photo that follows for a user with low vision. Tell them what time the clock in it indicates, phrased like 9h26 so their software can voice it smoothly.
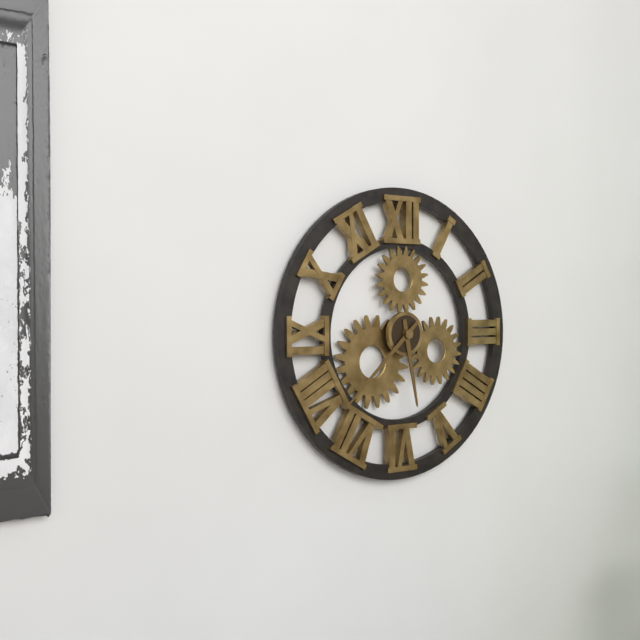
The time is 5h38
